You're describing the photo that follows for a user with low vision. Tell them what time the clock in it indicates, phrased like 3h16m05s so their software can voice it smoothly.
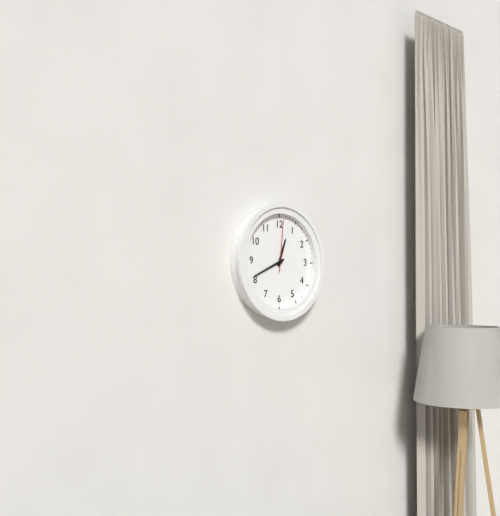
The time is 12h41m01s
